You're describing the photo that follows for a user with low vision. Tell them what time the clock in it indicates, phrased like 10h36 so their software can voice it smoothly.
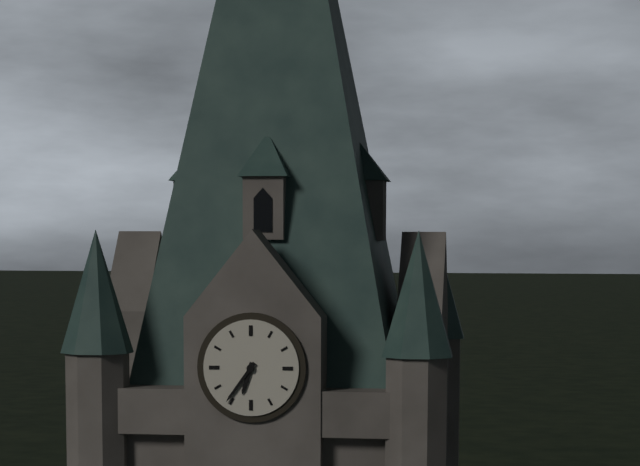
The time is 6h36
